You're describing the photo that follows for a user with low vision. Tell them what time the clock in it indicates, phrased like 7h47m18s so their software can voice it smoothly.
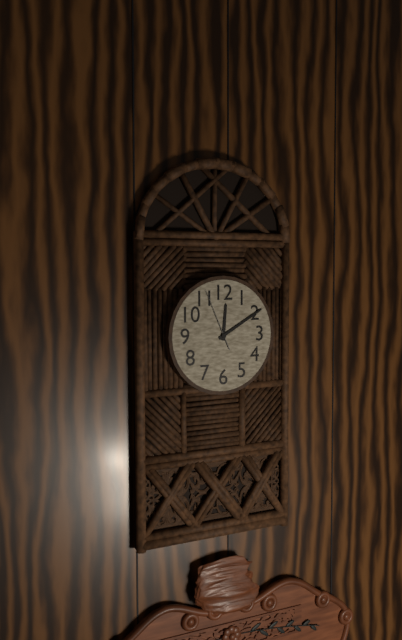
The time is 12h10m56s
